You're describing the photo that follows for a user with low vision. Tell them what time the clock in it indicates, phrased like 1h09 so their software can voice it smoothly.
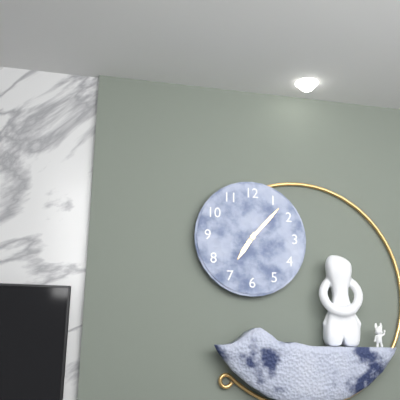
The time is 7h07
